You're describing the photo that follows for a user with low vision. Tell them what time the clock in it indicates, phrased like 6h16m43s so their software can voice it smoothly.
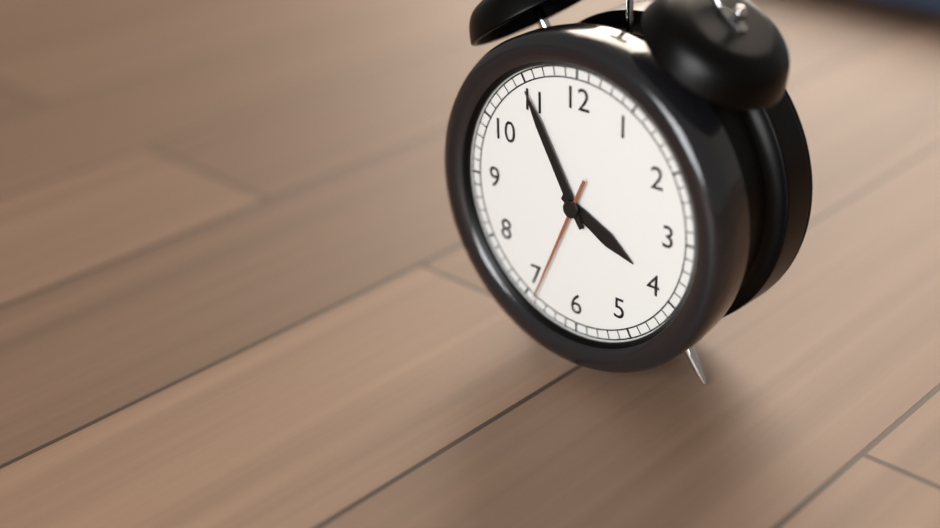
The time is 3h55m34s
